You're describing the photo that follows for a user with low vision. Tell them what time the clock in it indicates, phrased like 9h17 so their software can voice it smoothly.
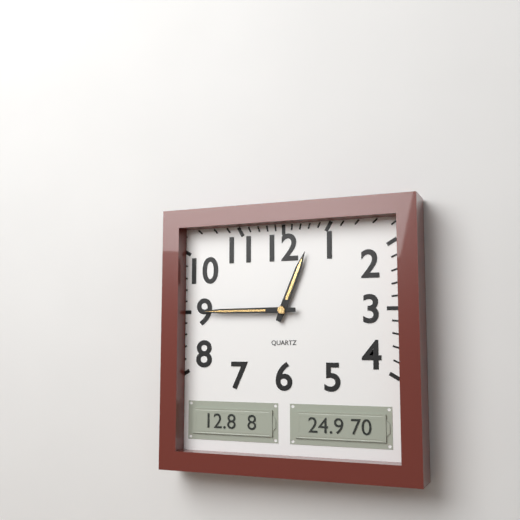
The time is 12h45
